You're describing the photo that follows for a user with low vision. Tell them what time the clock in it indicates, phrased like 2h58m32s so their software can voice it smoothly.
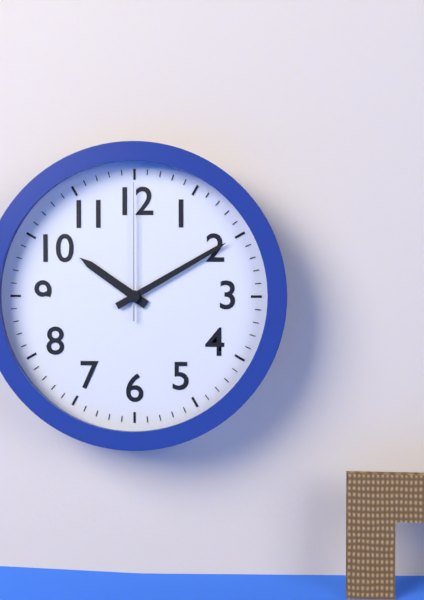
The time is 10h10m00s
